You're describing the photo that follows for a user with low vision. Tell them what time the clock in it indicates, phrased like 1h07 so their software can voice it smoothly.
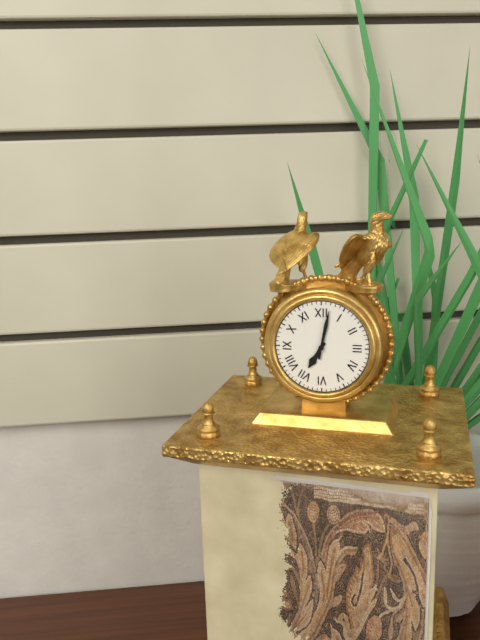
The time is 7h02
